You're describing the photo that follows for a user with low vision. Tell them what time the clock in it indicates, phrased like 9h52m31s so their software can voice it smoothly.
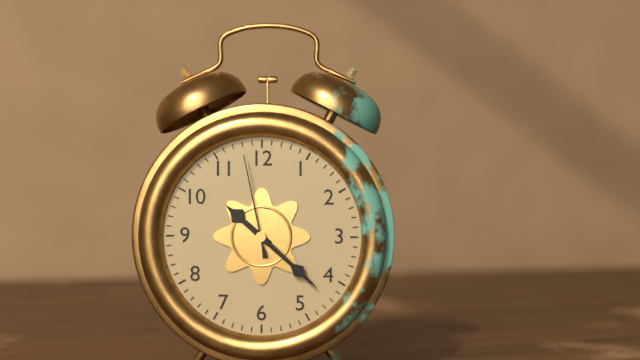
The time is 10h22m58s
